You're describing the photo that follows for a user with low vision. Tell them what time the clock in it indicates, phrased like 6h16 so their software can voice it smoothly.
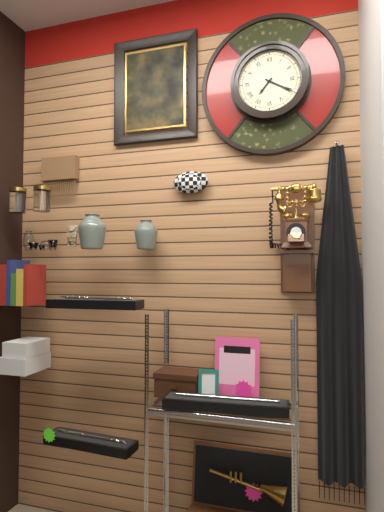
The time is 7h20
